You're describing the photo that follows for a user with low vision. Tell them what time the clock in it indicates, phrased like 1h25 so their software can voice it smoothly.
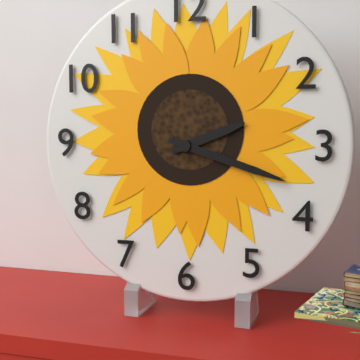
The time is 2h18
